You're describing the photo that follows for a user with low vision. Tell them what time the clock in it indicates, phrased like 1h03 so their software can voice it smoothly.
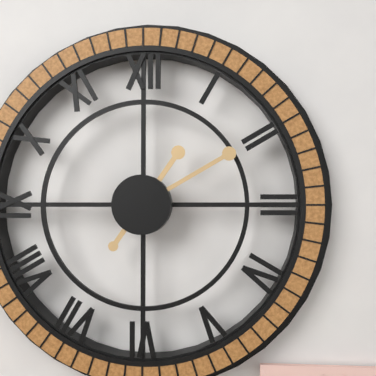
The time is 1h10
